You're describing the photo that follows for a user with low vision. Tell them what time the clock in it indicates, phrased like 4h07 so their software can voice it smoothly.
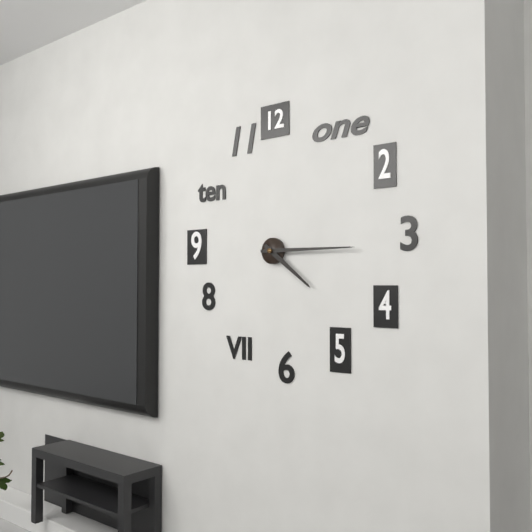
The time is 4h15
